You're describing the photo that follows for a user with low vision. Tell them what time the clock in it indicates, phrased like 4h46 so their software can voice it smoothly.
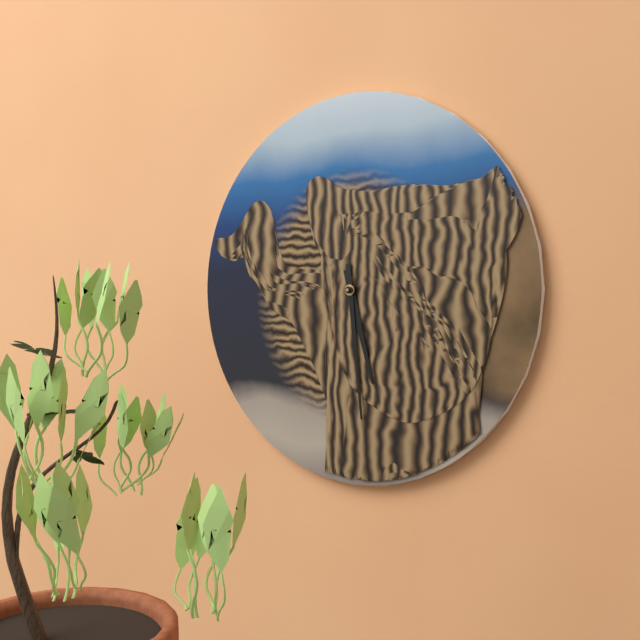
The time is 5h29
